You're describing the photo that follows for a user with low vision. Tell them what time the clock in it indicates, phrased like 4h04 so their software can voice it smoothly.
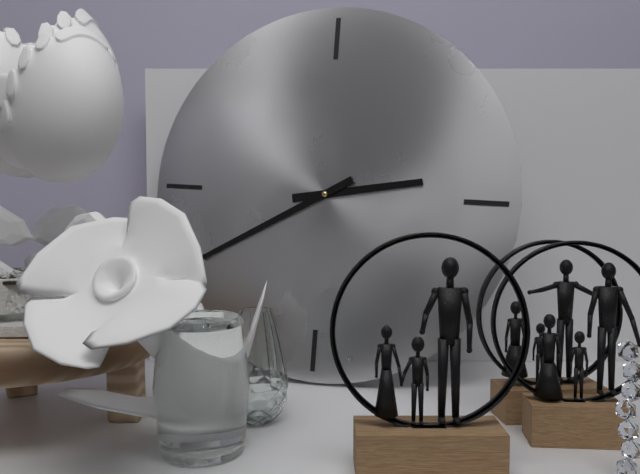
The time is 2h40
